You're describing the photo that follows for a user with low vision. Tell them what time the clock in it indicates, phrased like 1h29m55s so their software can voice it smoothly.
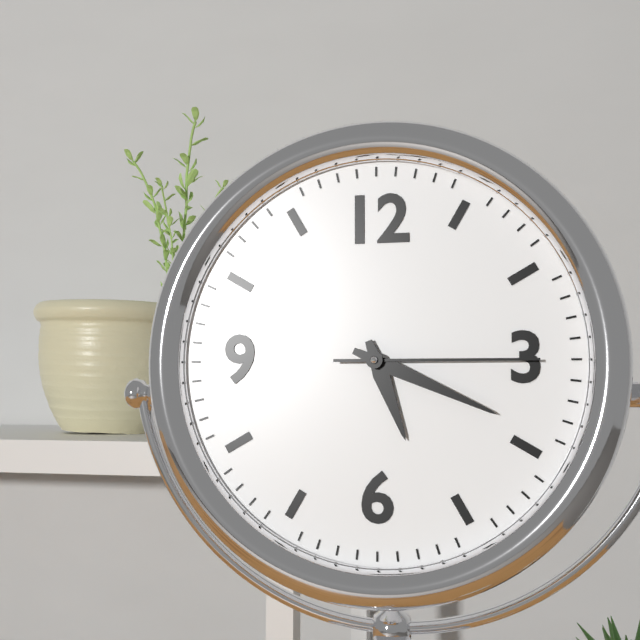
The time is 5h19m15s
